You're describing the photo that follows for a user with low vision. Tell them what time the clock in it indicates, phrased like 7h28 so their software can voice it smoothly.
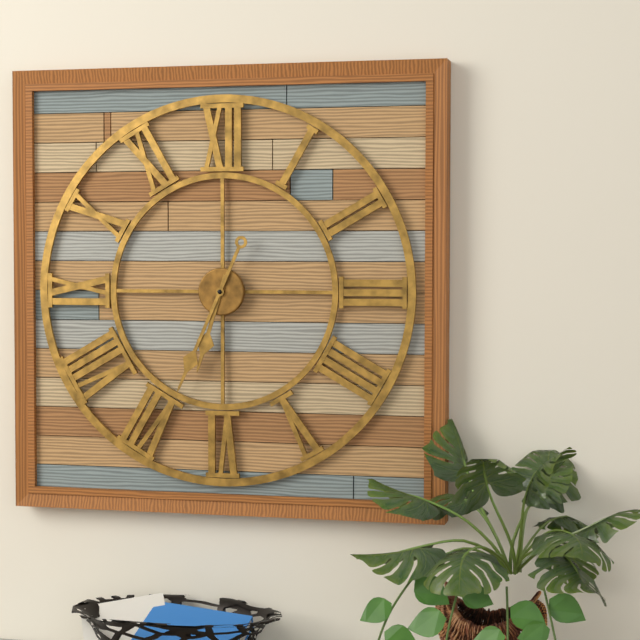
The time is 6h34
